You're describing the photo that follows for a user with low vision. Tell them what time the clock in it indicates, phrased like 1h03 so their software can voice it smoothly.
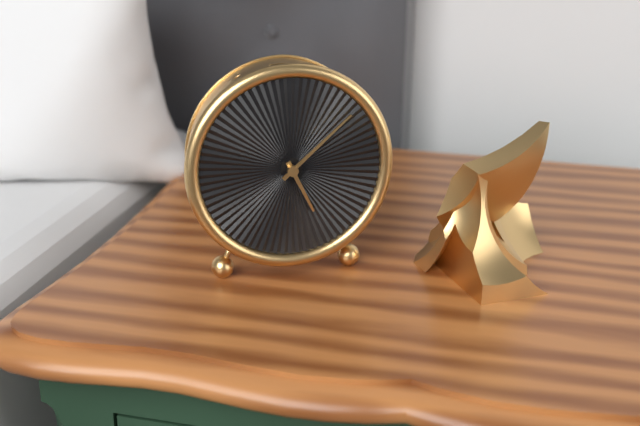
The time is 5h08
